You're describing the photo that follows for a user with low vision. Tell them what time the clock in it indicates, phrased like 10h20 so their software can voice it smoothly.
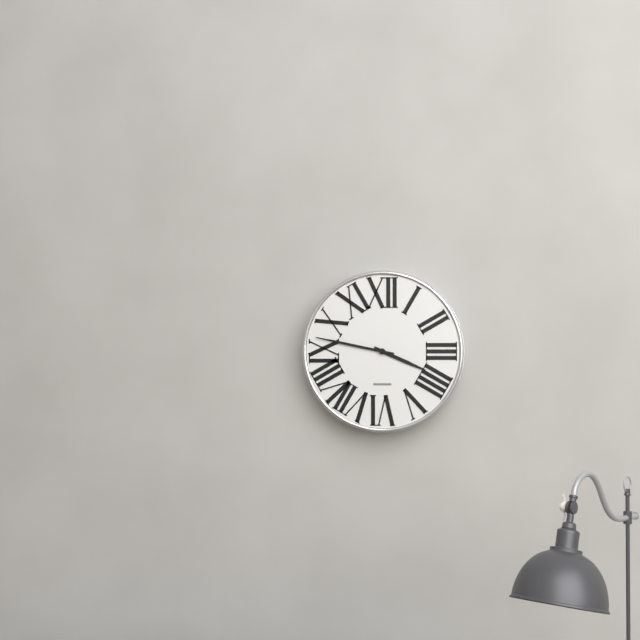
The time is 3h47
